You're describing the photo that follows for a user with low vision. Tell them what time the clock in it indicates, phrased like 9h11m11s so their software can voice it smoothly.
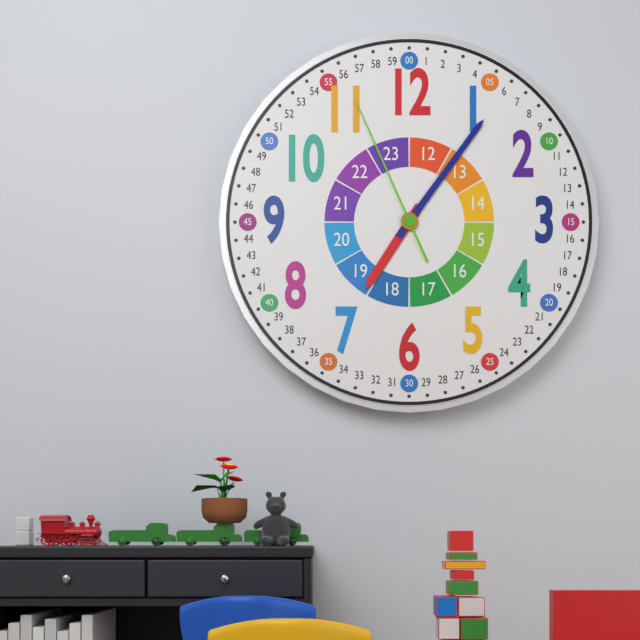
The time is 7h06m56s
